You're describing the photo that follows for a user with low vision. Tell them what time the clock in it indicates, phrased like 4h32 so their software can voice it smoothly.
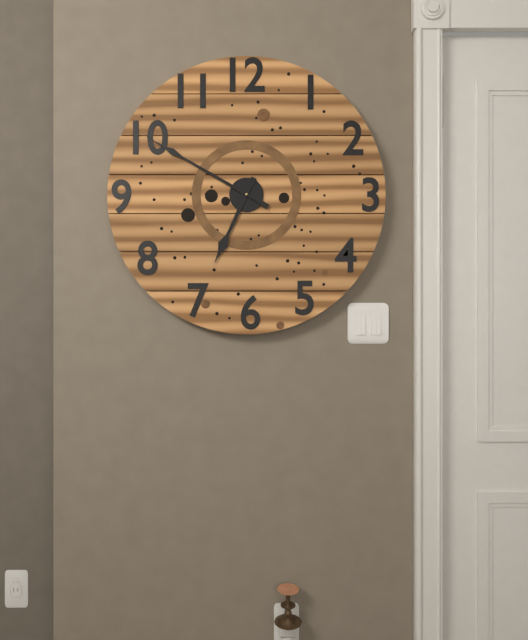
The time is 6h50
